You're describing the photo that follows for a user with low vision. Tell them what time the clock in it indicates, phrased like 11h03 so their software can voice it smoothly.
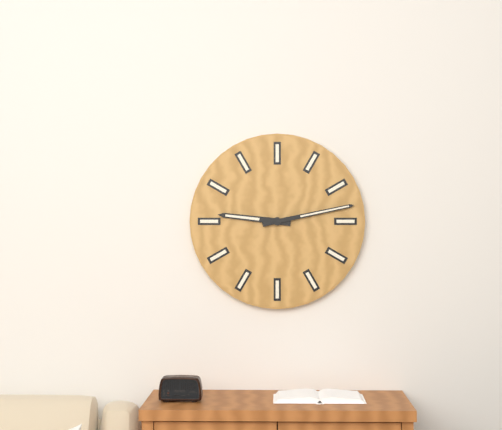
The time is 9h13
